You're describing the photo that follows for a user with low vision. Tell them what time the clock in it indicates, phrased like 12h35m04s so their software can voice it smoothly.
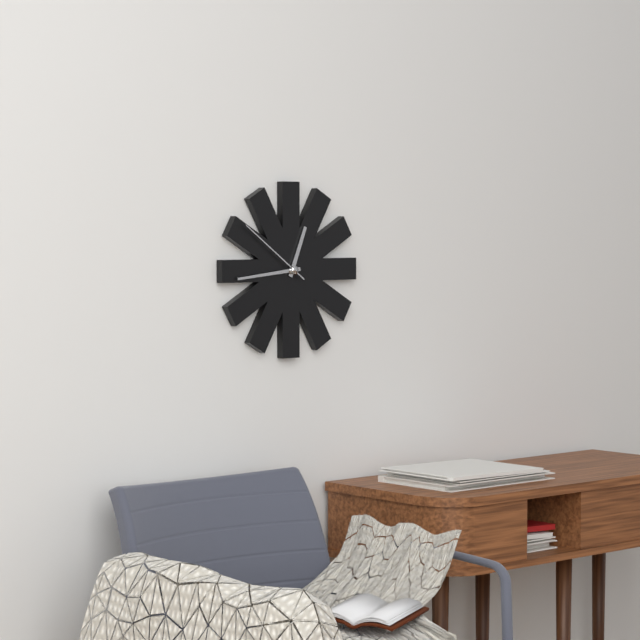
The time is 12h44m51s
